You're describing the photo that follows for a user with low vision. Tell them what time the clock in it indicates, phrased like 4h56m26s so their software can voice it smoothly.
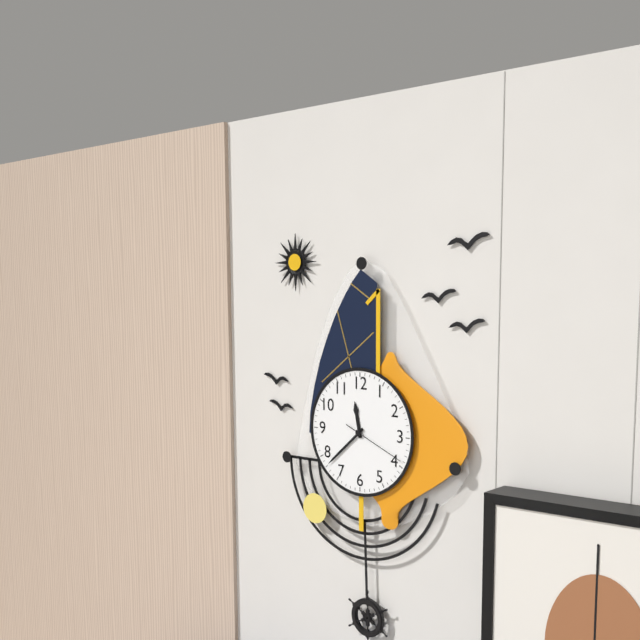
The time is 11h38m19s
